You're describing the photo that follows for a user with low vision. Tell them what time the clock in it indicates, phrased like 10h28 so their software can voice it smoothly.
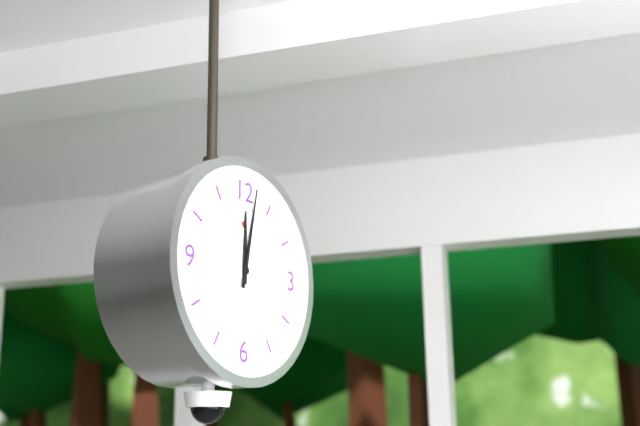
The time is 12h02
